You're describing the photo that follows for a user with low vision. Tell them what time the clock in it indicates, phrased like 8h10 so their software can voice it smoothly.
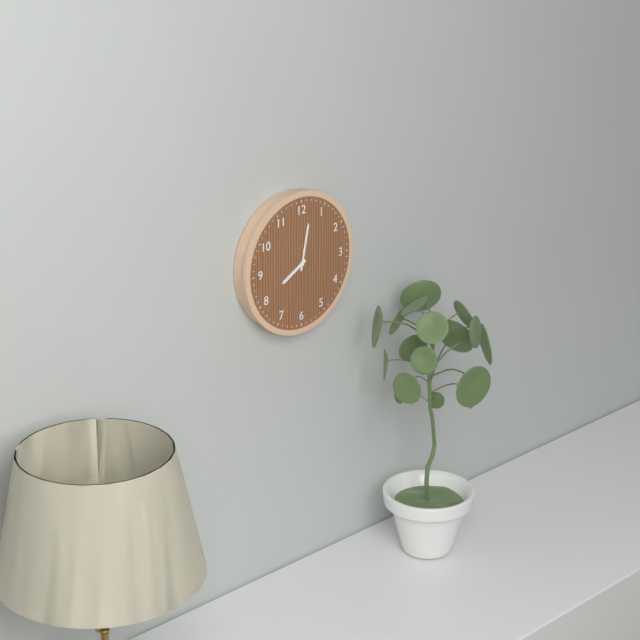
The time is 8h02
